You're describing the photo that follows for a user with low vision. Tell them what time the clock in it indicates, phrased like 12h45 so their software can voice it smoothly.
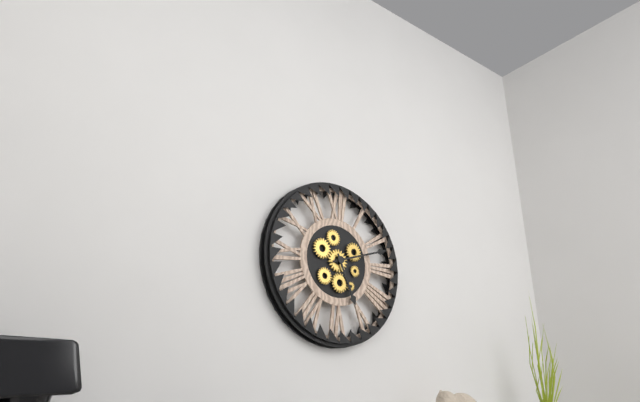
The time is 5h12
